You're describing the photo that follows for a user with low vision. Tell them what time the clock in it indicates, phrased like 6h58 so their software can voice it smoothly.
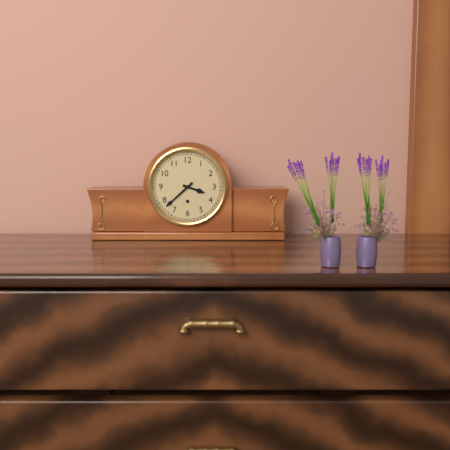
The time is 3h38
